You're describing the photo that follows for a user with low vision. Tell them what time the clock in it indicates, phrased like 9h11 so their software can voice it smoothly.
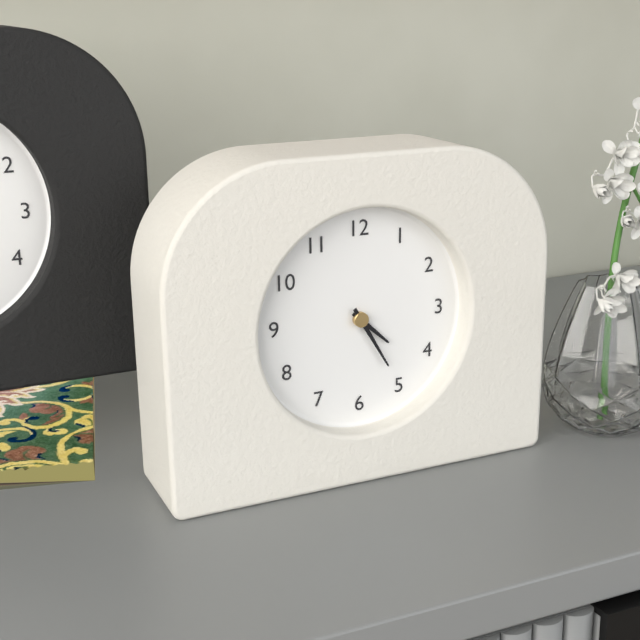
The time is 4h25
